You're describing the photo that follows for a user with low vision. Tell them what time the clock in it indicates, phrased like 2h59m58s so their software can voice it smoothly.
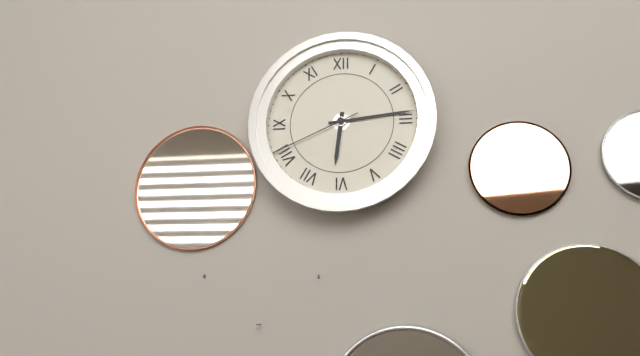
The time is 6h14m41s
